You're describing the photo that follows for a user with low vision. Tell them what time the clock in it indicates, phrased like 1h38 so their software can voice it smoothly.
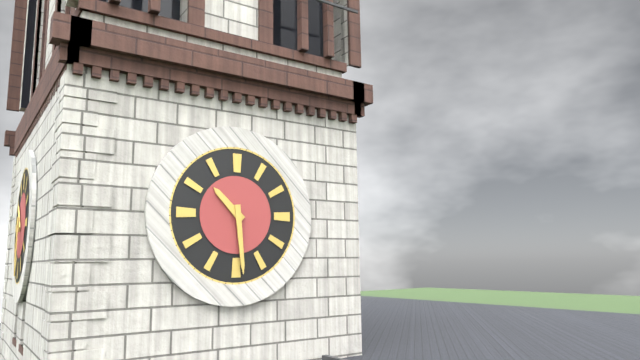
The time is 10h29
